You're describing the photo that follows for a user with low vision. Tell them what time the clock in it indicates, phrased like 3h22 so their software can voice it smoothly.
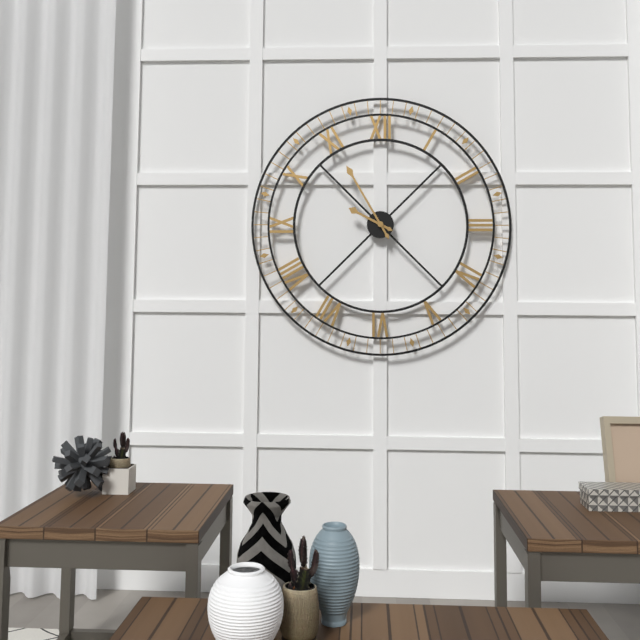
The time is 9h55
